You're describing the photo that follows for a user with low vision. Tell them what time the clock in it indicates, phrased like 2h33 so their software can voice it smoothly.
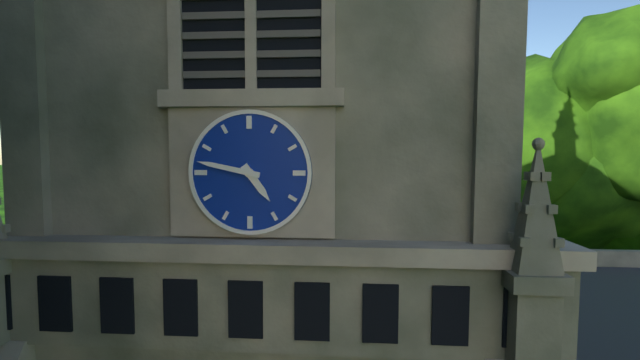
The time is 4h47
